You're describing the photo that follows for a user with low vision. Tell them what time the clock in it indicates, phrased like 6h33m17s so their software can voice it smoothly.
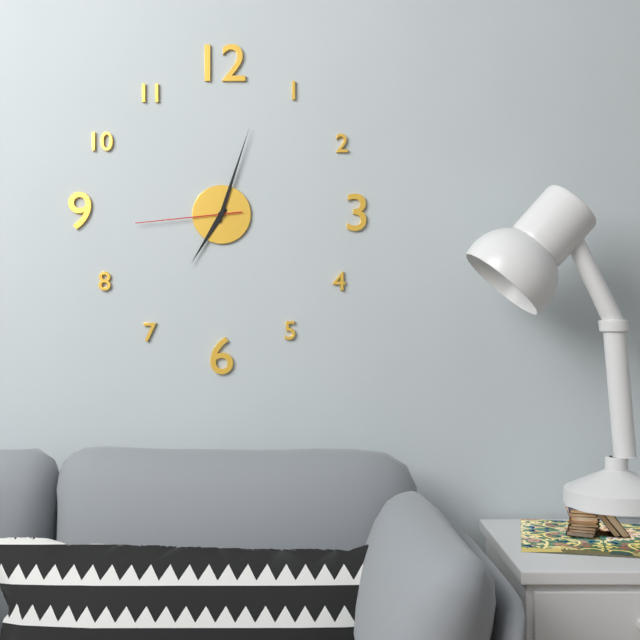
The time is 7h03m44s
